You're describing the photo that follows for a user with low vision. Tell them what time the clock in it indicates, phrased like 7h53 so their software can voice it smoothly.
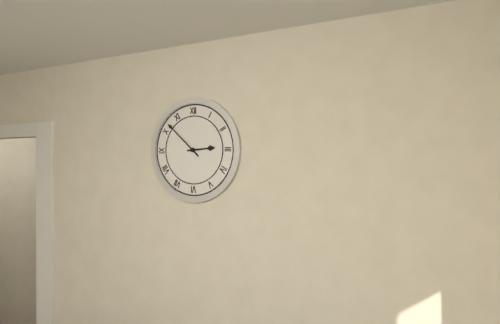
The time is 2h52
